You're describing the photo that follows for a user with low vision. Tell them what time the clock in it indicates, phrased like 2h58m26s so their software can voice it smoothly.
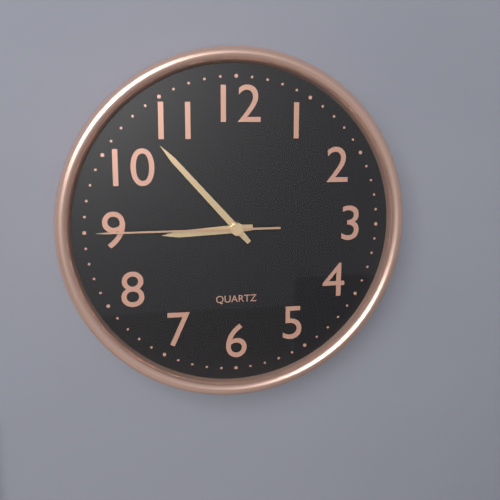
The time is 8h53m45s
